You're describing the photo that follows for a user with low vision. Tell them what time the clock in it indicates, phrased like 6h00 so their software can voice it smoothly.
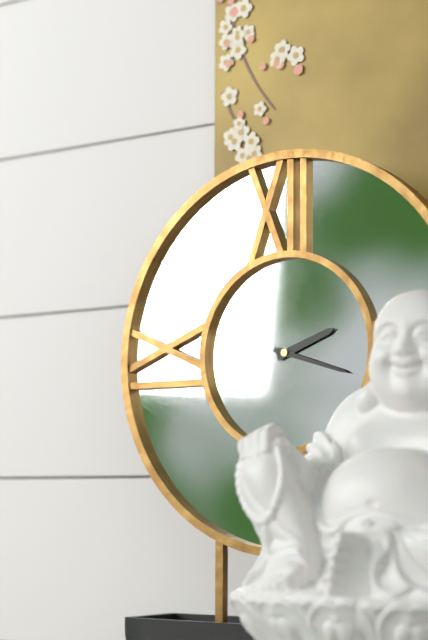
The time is 2h18
